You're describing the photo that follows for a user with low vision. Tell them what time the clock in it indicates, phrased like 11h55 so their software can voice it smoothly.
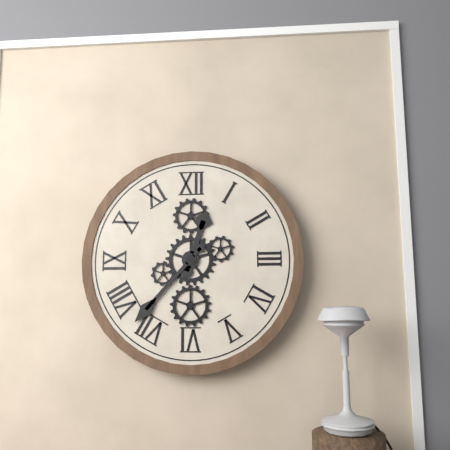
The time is 12h37
